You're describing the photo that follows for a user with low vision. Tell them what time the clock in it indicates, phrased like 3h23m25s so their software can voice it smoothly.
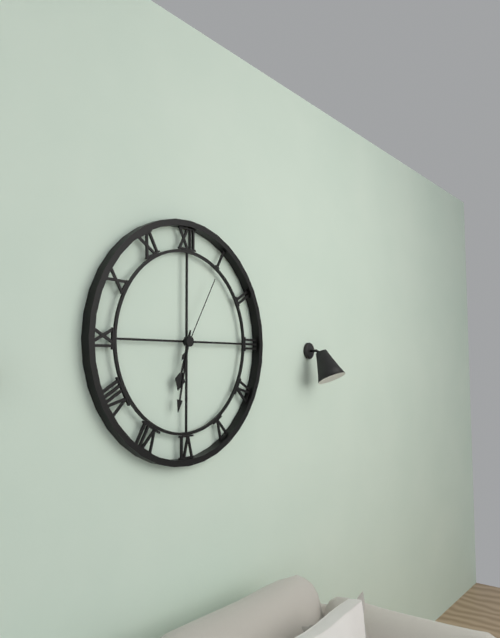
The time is 6h32m05s
